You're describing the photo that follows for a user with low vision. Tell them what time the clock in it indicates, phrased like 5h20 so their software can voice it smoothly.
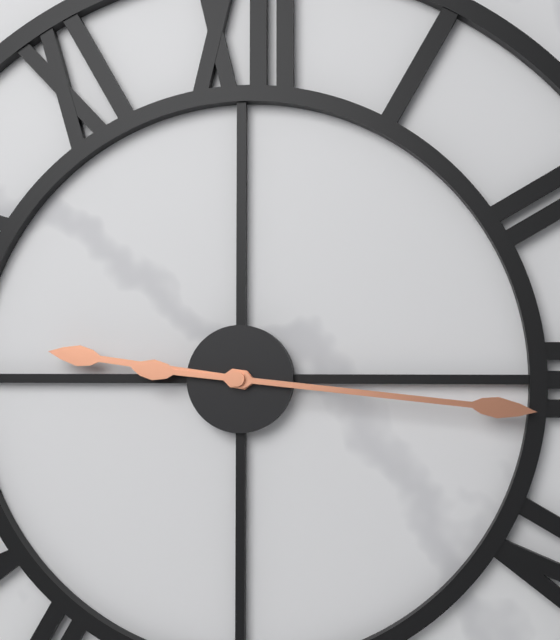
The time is 9h16
